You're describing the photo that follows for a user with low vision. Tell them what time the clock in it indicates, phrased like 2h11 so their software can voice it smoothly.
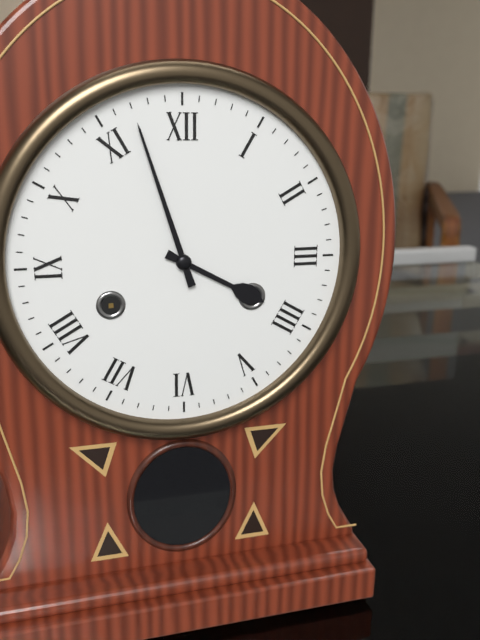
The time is 3h57
